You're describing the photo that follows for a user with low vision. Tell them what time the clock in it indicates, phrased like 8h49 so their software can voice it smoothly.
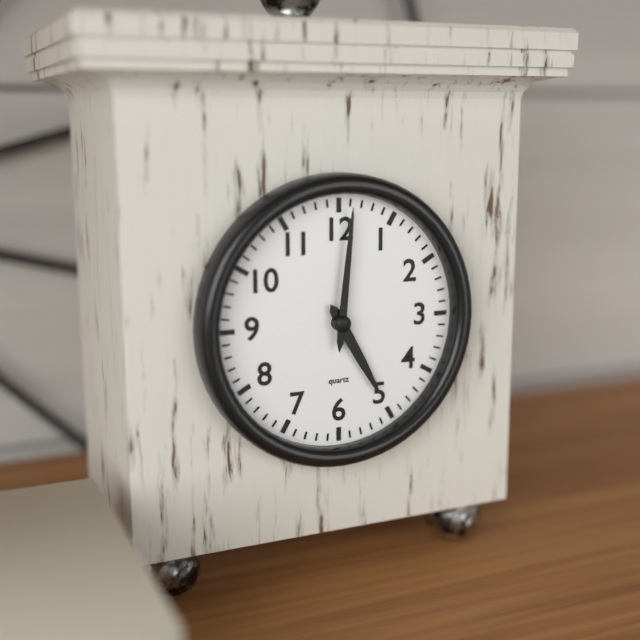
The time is 5h01
